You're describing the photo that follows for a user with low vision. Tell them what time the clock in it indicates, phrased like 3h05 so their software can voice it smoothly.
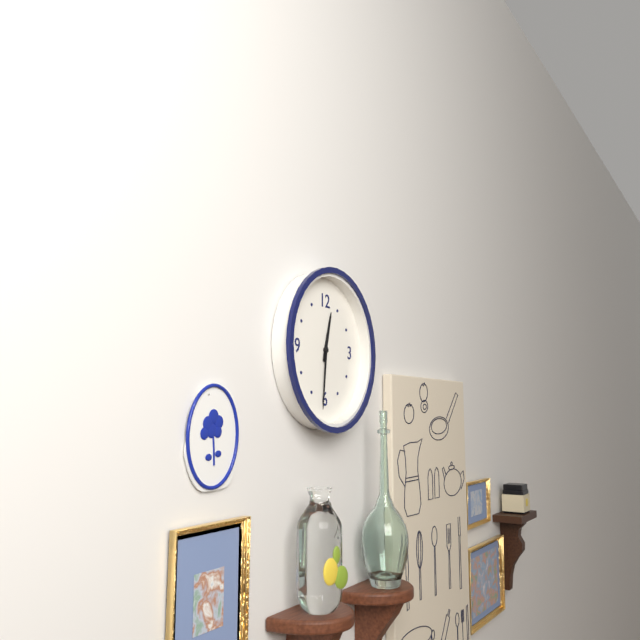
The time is 12h31
